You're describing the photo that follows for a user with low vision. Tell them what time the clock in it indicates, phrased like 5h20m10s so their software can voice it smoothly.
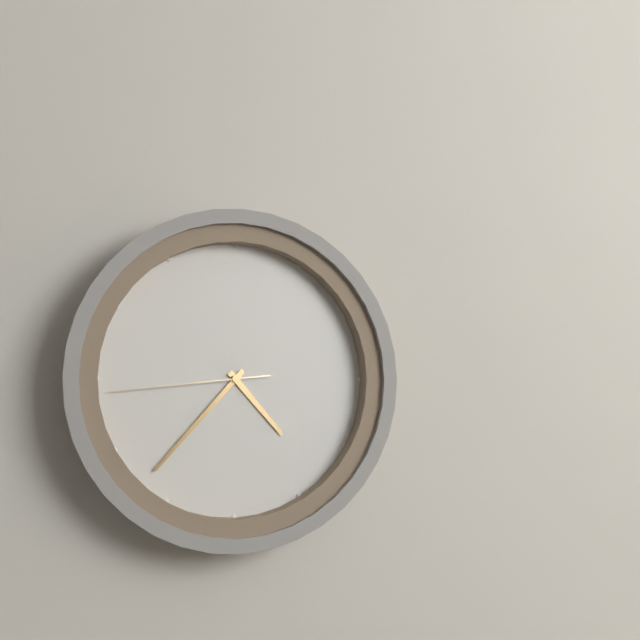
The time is 4h37m44s
